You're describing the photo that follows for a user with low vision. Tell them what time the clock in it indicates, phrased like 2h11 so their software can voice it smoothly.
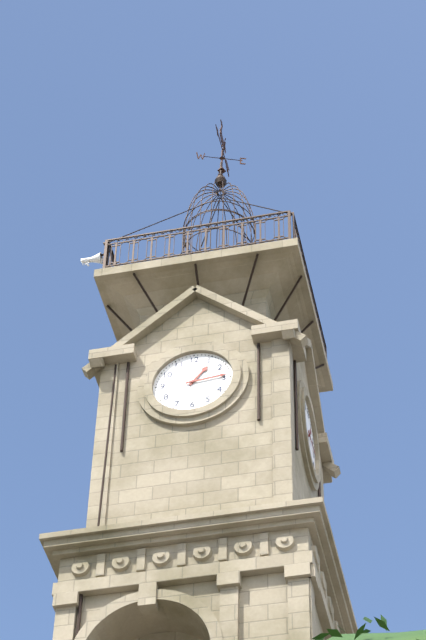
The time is 1h14
